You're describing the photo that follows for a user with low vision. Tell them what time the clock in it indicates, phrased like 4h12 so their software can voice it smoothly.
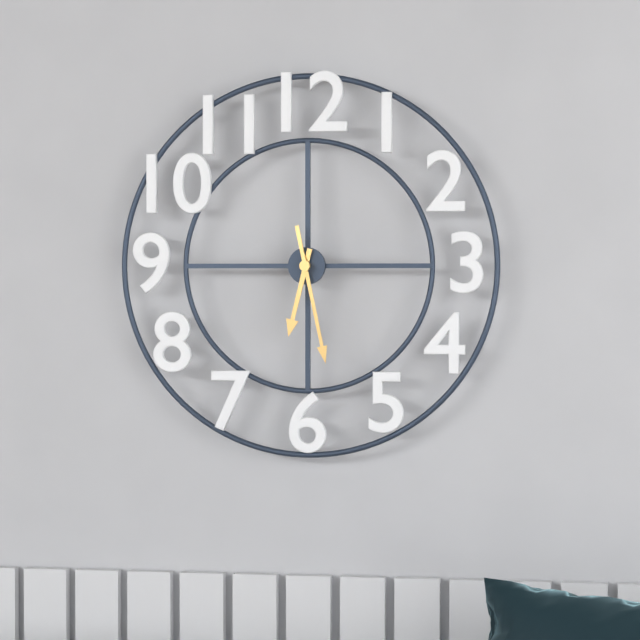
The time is 6h28
